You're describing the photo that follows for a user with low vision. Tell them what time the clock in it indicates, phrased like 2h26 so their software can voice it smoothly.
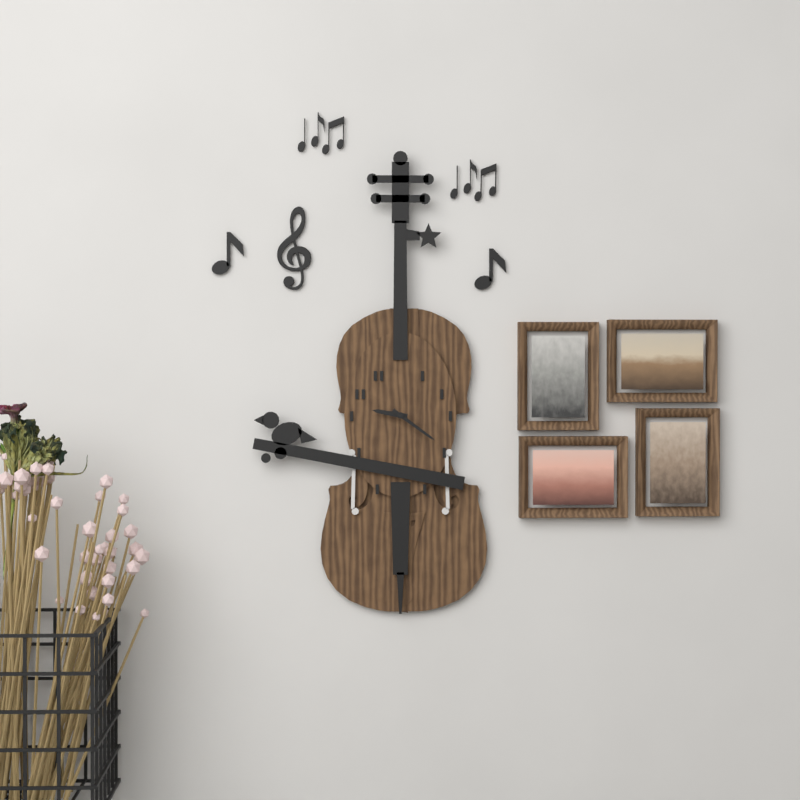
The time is 9h21
